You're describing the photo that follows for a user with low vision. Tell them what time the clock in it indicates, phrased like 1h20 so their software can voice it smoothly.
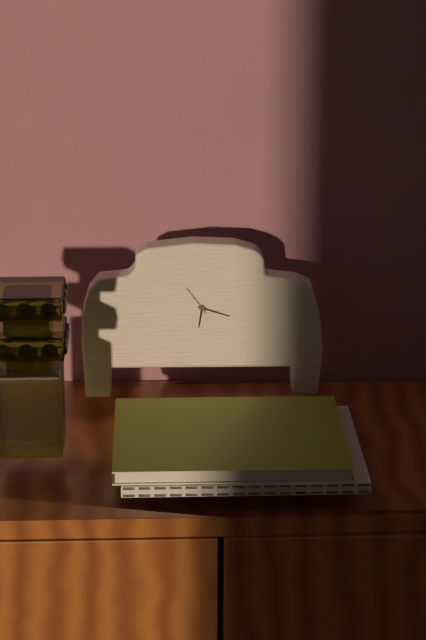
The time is 6h18
